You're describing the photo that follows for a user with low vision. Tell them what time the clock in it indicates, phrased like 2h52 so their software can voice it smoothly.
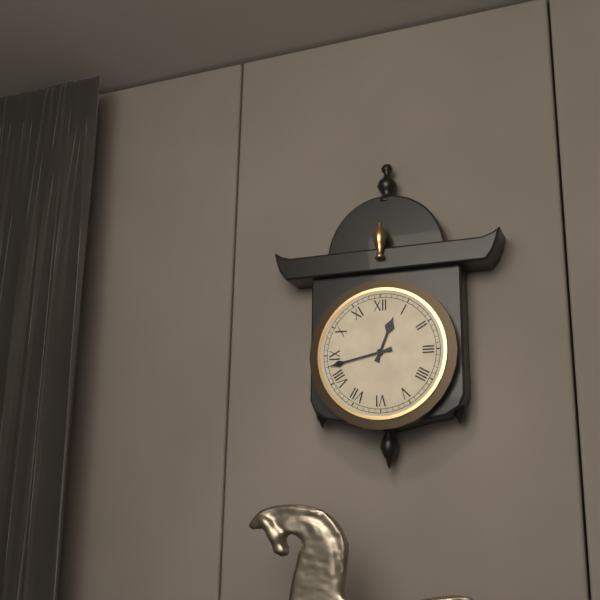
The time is 12h43
